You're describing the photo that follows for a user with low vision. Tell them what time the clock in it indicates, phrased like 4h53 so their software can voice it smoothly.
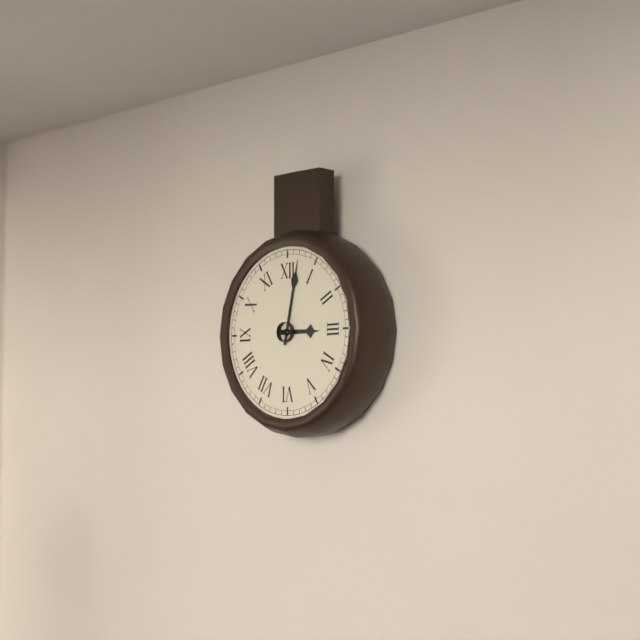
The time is 3h02
